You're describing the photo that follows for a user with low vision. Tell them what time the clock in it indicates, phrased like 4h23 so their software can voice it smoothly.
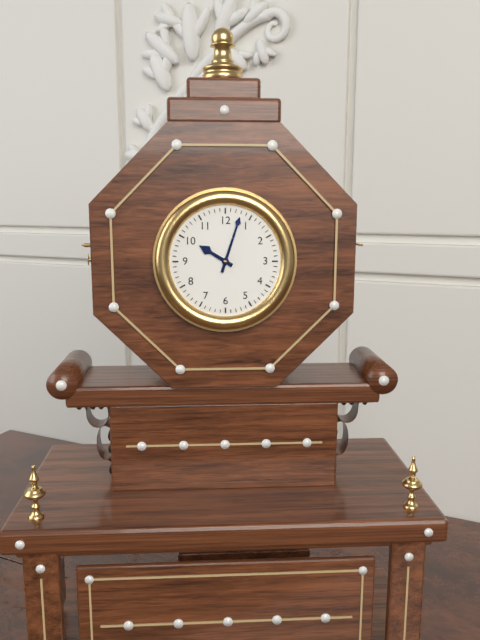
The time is 10h03
